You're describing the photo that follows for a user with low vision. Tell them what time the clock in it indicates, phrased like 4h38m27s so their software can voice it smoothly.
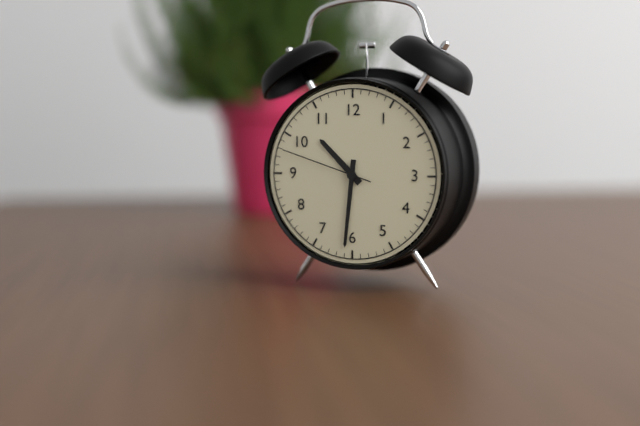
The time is 10h31m48s
